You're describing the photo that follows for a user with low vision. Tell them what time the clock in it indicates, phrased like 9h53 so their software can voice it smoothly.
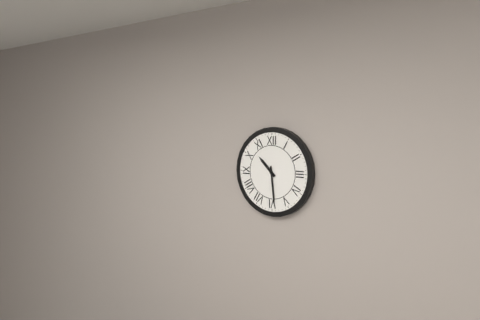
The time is 10h29
